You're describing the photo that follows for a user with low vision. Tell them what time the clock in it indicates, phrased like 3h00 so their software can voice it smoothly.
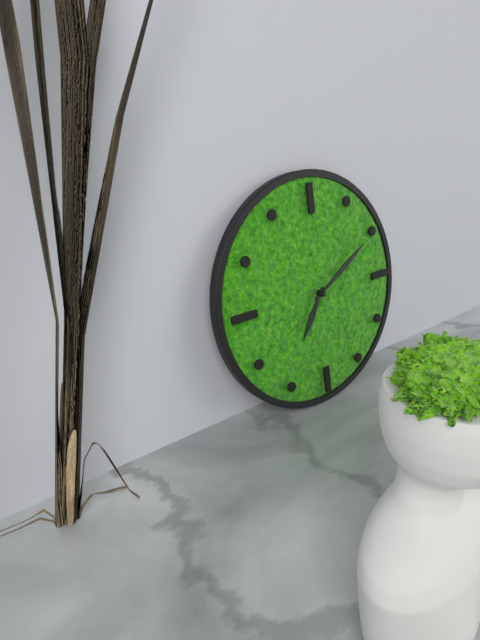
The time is 7h10
